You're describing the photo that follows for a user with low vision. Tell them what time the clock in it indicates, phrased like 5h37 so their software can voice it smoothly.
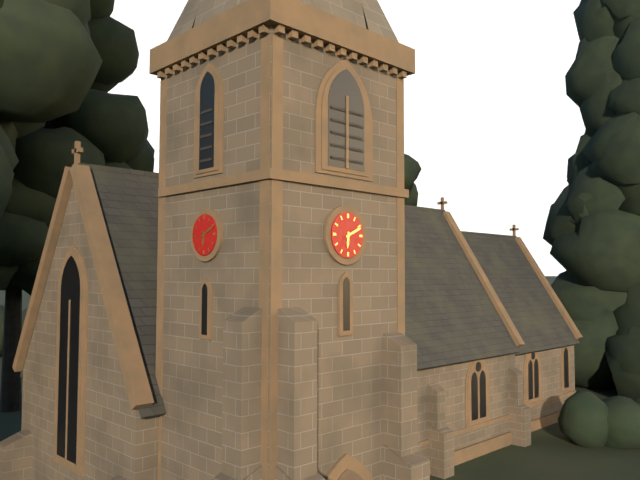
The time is 6h11
